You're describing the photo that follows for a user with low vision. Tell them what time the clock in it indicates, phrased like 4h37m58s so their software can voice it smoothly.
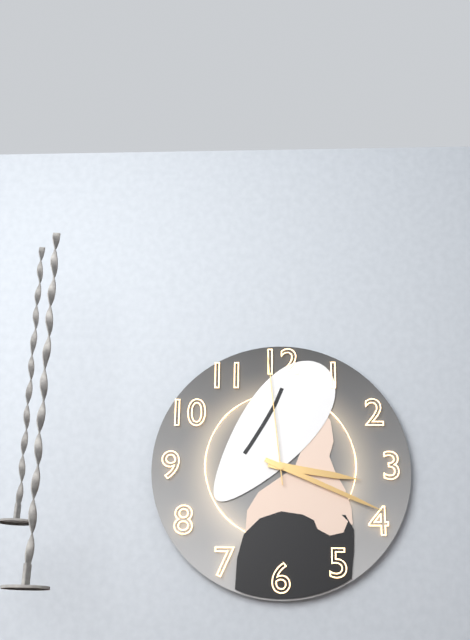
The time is 3h19m59s
